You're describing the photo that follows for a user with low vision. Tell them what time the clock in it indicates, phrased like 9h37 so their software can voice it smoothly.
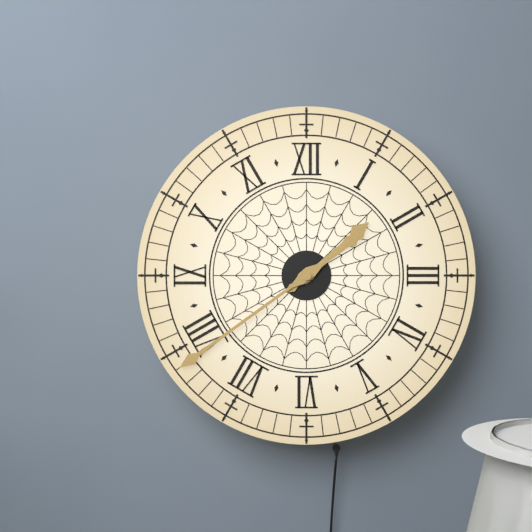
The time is 1h39
